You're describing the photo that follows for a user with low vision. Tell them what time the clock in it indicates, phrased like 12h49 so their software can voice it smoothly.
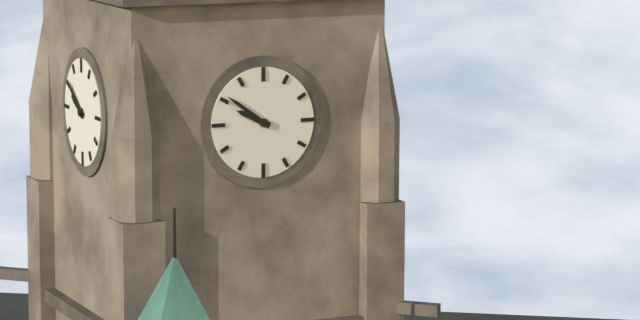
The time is 9h51
